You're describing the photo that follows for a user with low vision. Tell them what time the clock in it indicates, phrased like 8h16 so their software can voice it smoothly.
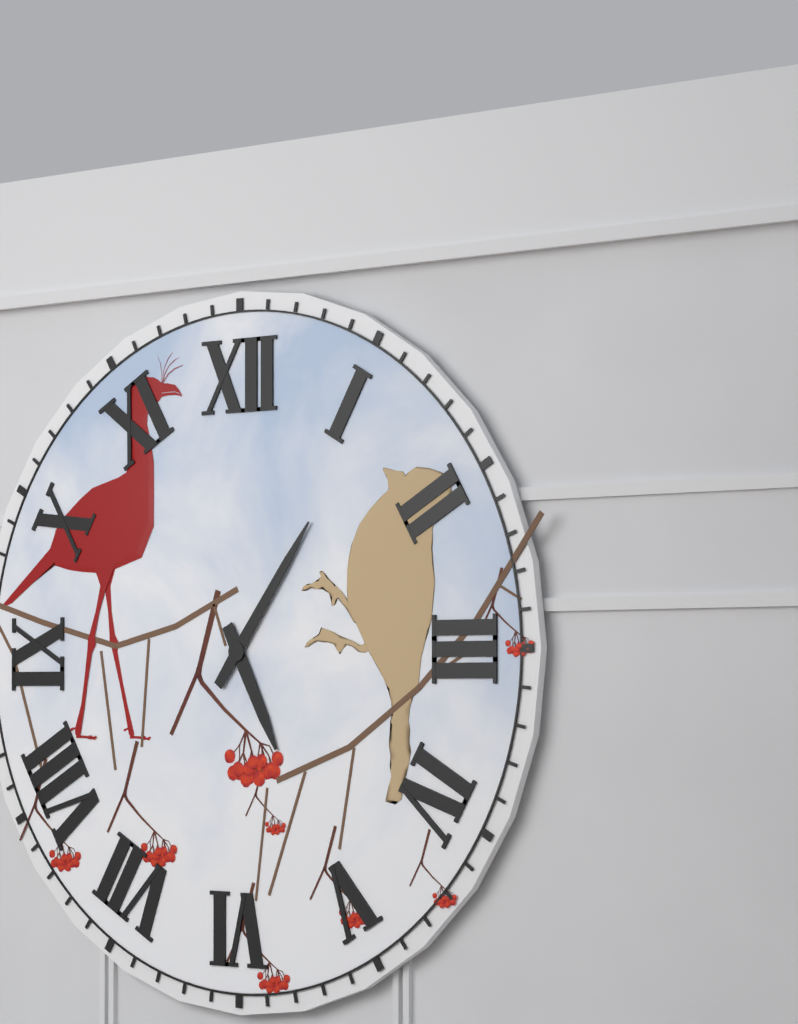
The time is 5h06
